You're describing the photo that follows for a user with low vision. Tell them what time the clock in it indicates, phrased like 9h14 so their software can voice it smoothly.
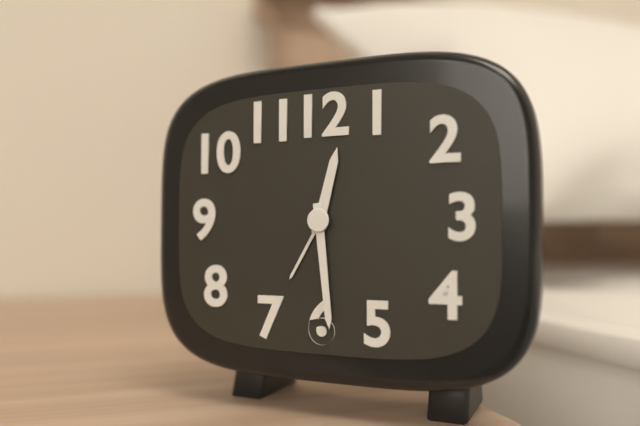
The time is 12h29
